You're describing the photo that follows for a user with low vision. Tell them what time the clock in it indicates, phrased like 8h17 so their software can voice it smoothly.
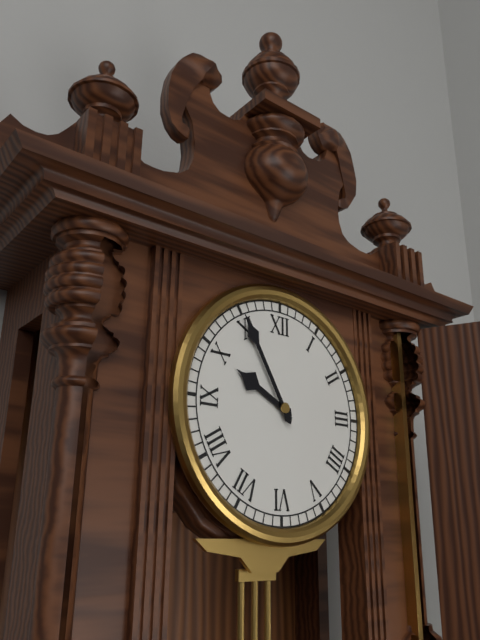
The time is 9h55
